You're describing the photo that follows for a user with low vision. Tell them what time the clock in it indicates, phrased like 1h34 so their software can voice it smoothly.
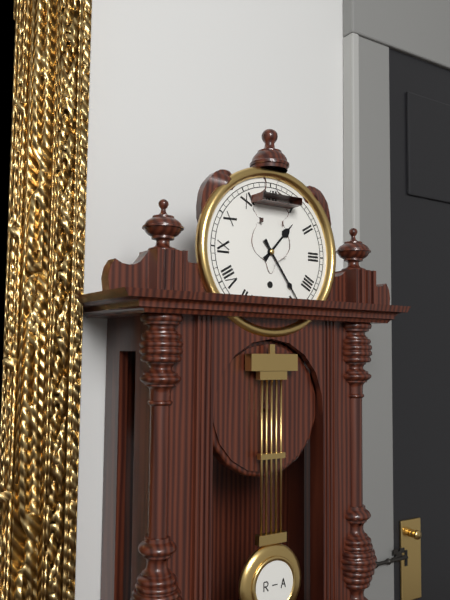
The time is 1h24
